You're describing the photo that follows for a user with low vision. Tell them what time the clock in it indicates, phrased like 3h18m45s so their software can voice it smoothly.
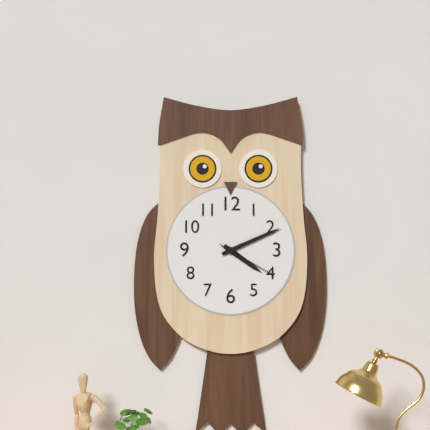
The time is 4h11m20s
